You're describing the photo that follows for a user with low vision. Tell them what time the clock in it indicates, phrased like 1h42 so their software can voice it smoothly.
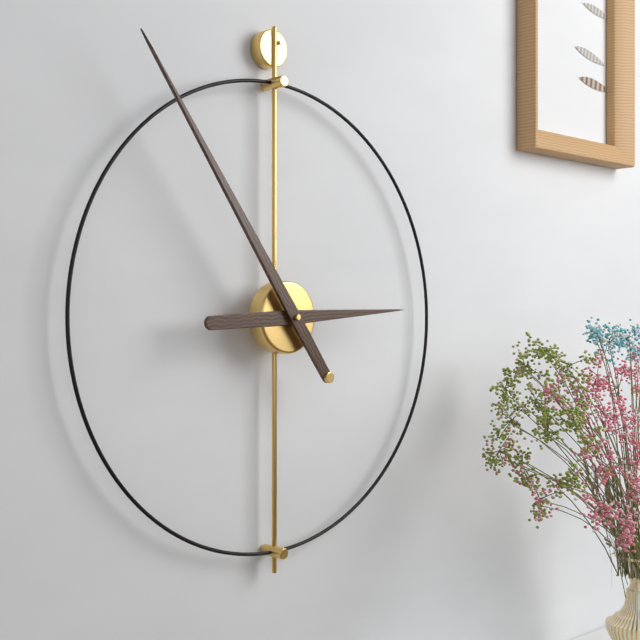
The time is 2h54
